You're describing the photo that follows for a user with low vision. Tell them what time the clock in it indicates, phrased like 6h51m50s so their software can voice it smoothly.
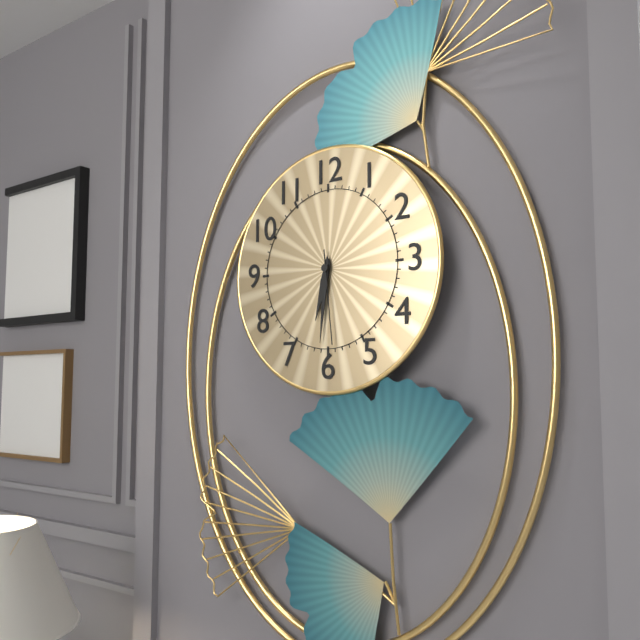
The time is 6h31m29s
